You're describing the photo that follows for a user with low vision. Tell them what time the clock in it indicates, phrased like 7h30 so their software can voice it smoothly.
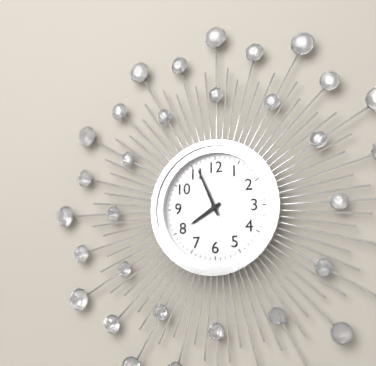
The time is 7h56
